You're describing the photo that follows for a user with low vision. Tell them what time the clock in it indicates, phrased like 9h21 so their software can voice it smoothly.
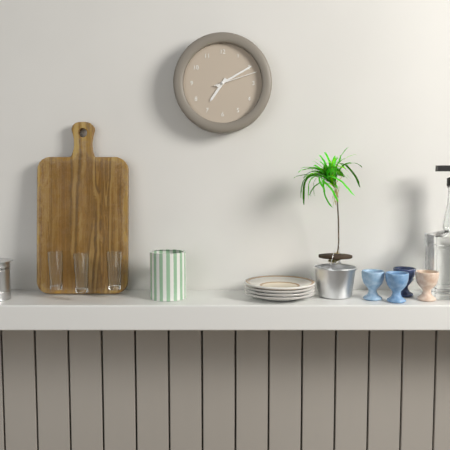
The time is 7h10
